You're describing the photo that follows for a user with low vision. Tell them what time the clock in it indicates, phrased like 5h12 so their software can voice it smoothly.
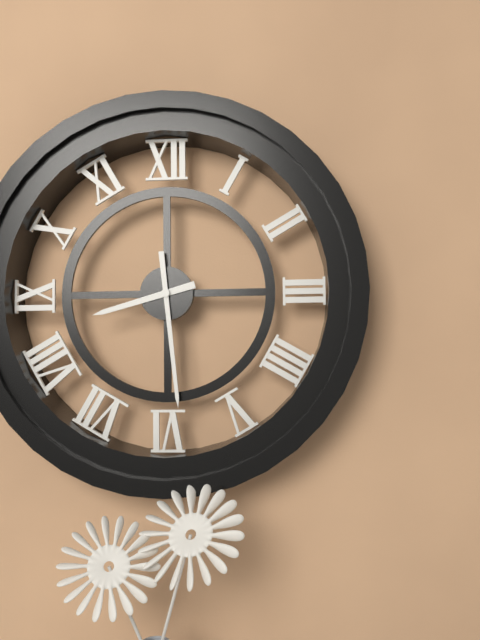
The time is 8h29
